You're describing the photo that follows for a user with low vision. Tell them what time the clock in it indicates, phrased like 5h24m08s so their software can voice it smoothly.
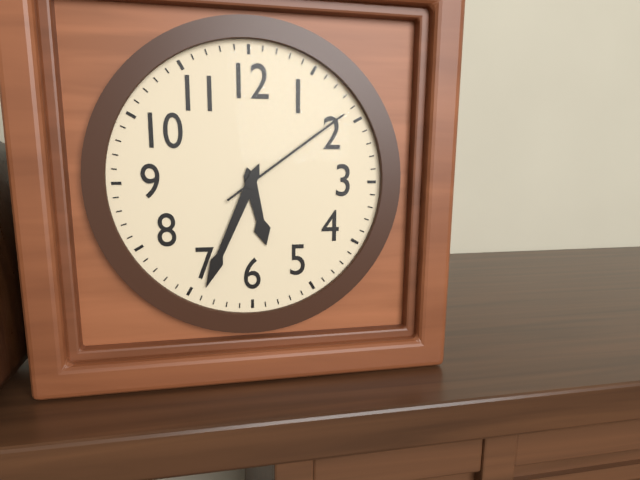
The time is 5h34m09s
